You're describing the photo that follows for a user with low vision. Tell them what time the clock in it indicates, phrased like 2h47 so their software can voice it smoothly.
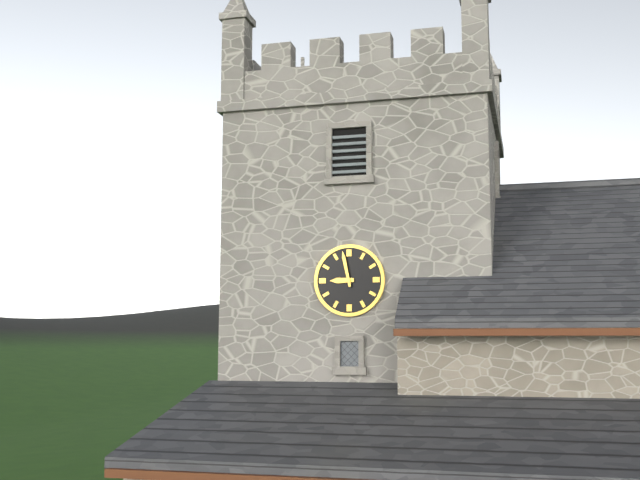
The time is 8h58
